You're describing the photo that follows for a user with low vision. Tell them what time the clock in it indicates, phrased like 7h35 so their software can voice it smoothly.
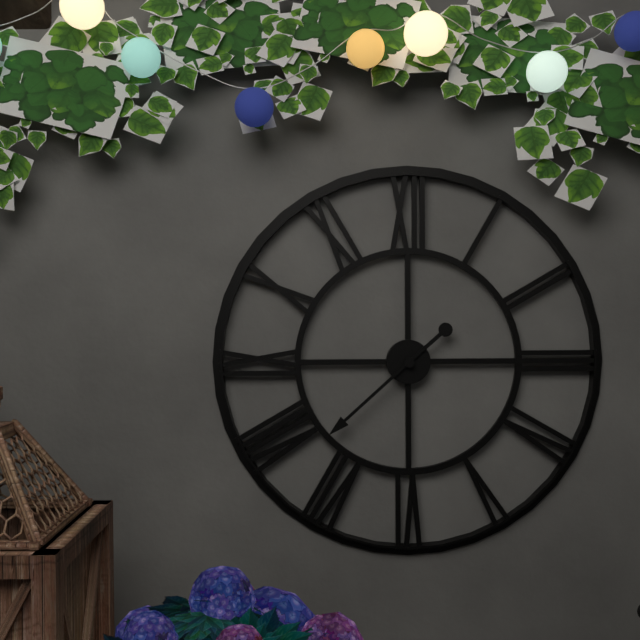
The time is 1h38
